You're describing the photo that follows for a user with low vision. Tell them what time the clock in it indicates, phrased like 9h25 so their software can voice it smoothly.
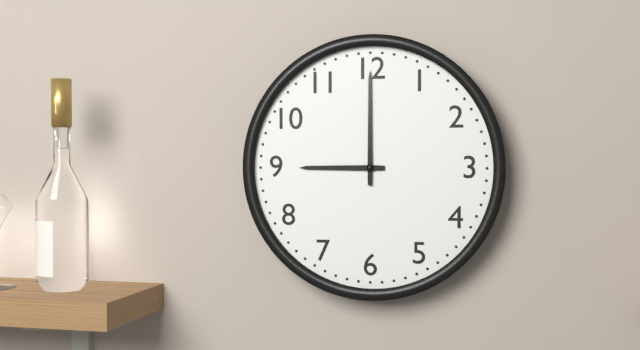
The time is 9h00
